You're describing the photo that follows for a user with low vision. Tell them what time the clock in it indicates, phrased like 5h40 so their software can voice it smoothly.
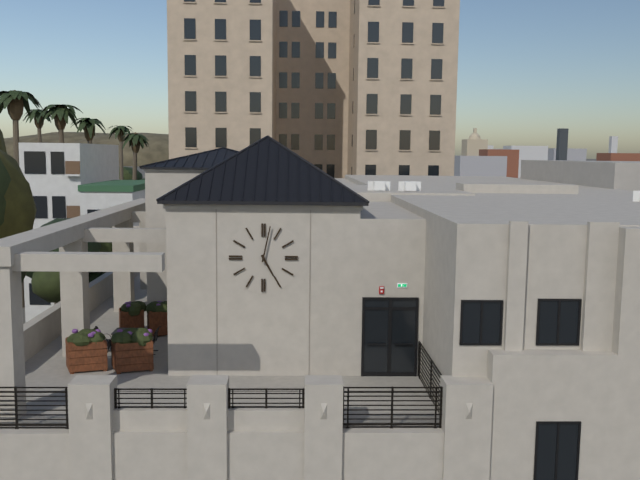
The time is 5h02
